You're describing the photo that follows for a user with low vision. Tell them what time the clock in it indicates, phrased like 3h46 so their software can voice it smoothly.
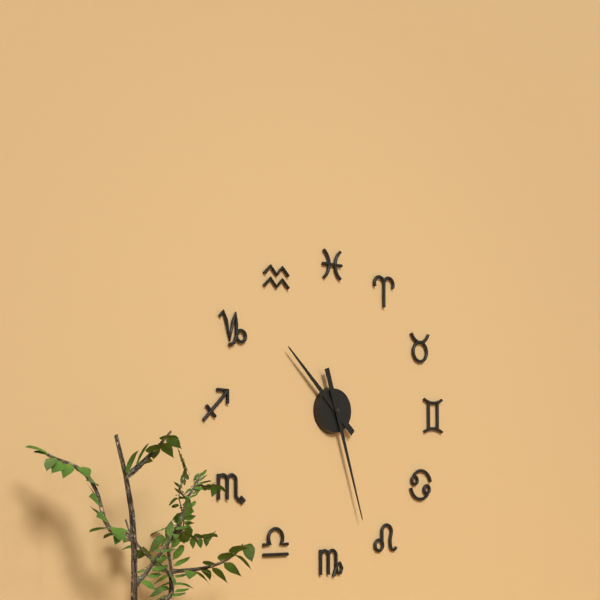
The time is 10h27
